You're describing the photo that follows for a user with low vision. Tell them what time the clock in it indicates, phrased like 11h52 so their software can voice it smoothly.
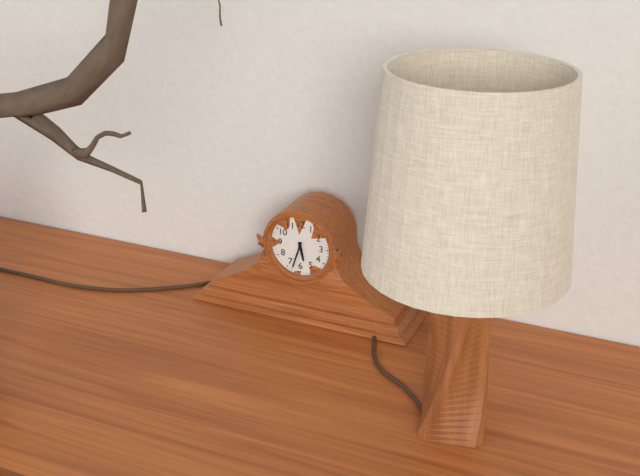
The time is 5h33
